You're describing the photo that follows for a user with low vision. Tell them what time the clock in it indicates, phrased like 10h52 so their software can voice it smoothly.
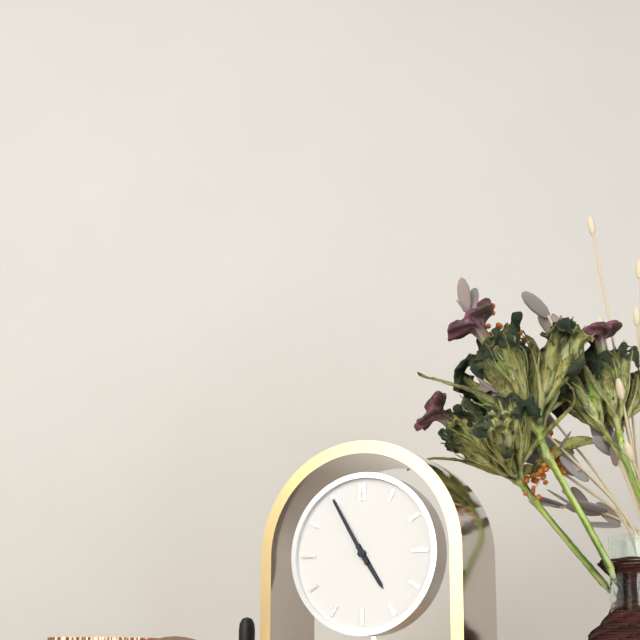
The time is 4h55
